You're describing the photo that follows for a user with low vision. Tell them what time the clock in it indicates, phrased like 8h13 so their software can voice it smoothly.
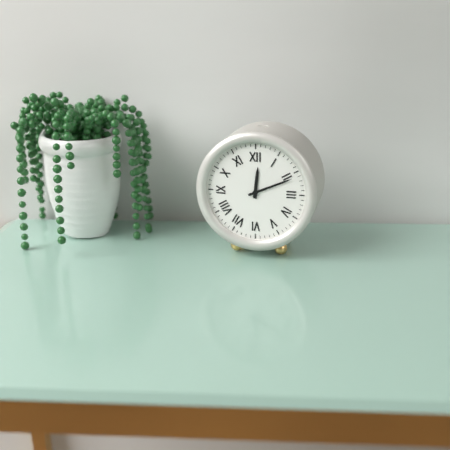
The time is 12h11
